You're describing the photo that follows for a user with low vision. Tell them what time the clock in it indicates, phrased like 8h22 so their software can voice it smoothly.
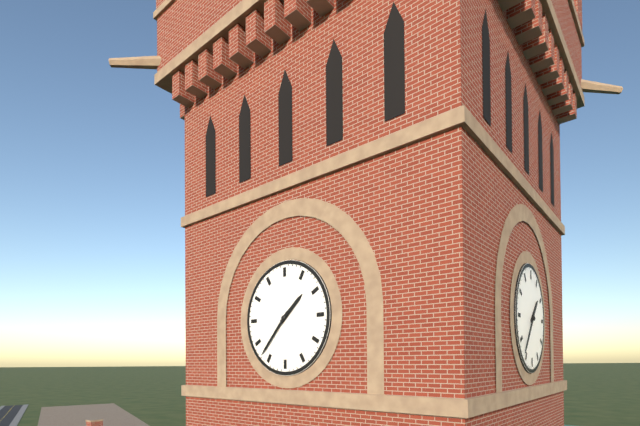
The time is 1h37
